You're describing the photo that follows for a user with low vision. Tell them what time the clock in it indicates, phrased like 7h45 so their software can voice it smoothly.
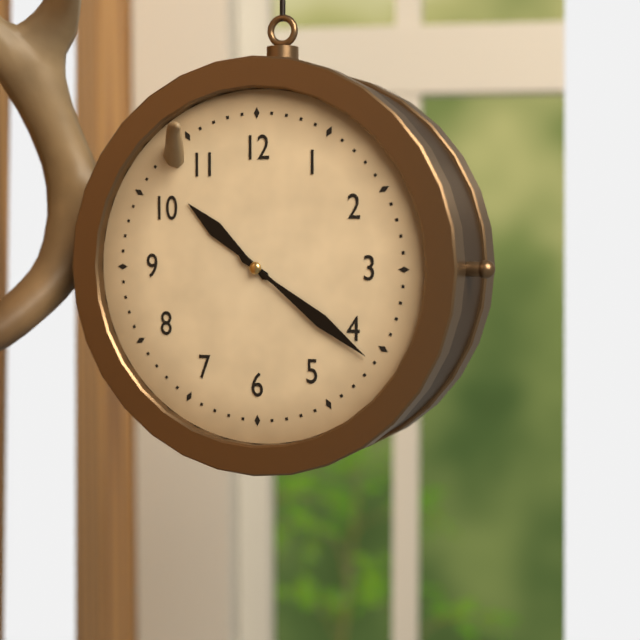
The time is 10h21
